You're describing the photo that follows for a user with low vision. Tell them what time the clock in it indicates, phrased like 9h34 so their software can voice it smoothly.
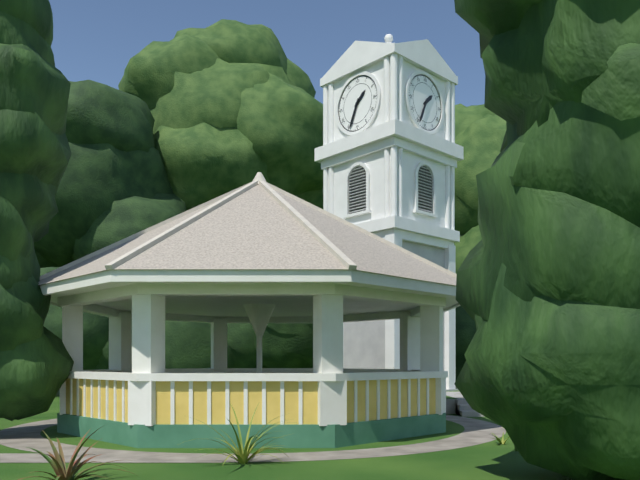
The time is 1h34
